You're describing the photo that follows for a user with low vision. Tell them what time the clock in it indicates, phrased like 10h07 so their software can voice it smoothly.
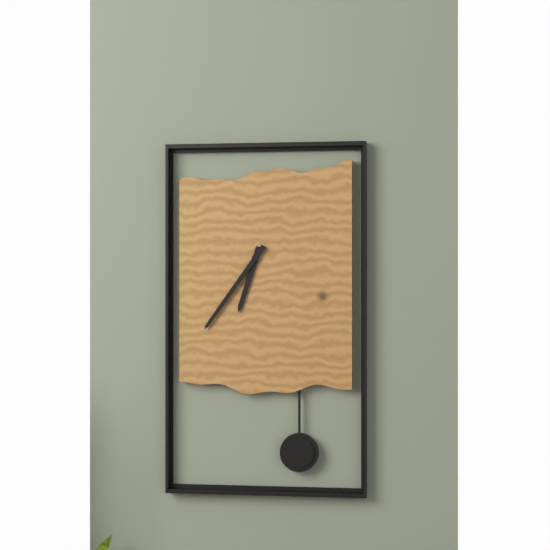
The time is 6h36
